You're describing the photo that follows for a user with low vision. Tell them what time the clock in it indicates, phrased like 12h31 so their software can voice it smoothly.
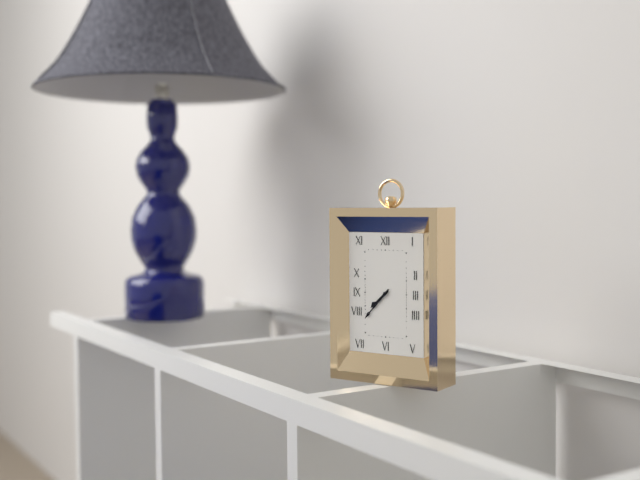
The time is 7h37
